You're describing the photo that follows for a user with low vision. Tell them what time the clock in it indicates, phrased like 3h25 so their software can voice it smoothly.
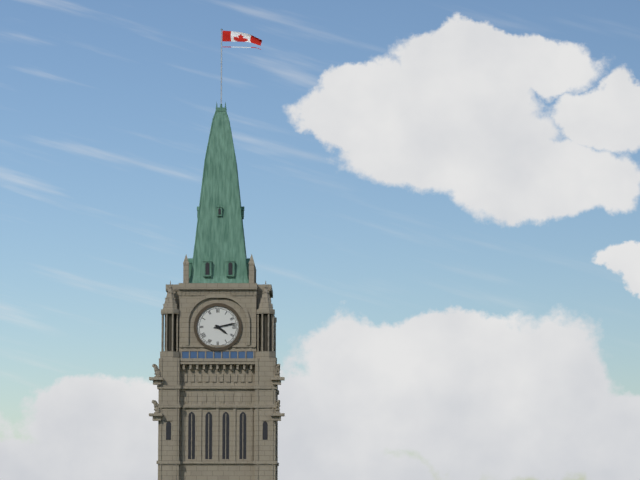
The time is 4h13
